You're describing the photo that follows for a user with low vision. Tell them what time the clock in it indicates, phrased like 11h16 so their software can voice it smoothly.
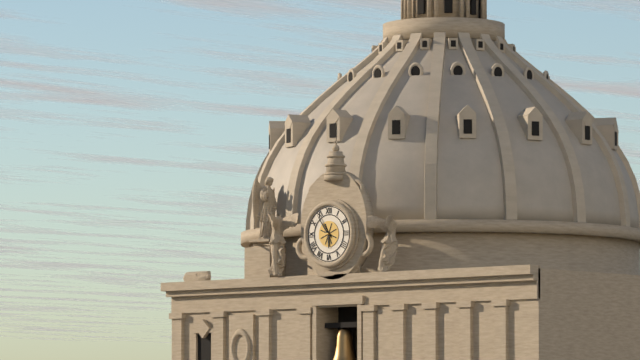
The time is 5h54
